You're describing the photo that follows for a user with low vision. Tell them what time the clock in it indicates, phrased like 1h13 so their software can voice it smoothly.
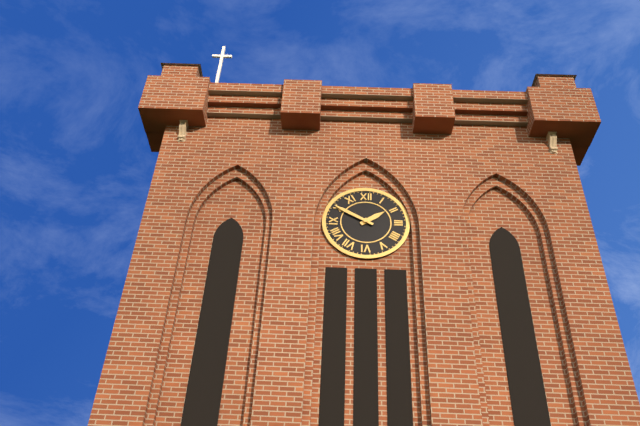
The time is 1h50
